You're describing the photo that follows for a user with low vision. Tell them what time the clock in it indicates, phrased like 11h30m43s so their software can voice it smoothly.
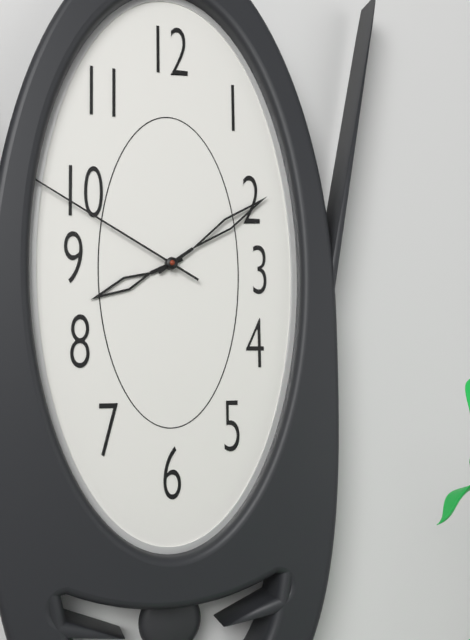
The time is 8h09m50s
